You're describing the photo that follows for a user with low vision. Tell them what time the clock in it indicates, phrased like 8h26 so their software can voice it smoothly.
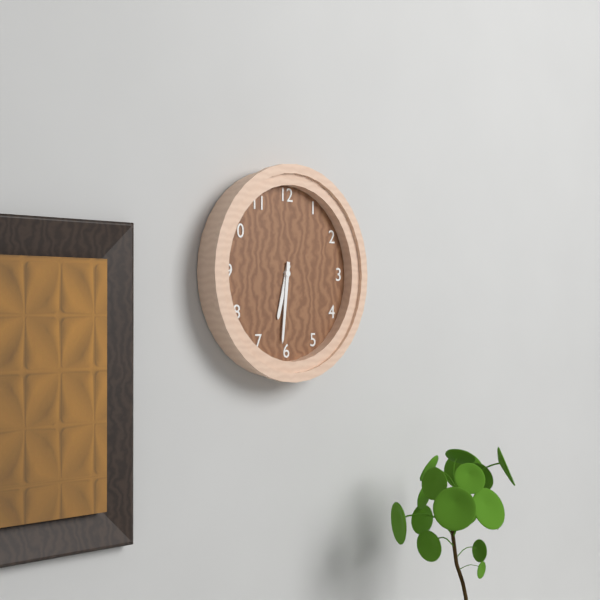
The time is 6h31
